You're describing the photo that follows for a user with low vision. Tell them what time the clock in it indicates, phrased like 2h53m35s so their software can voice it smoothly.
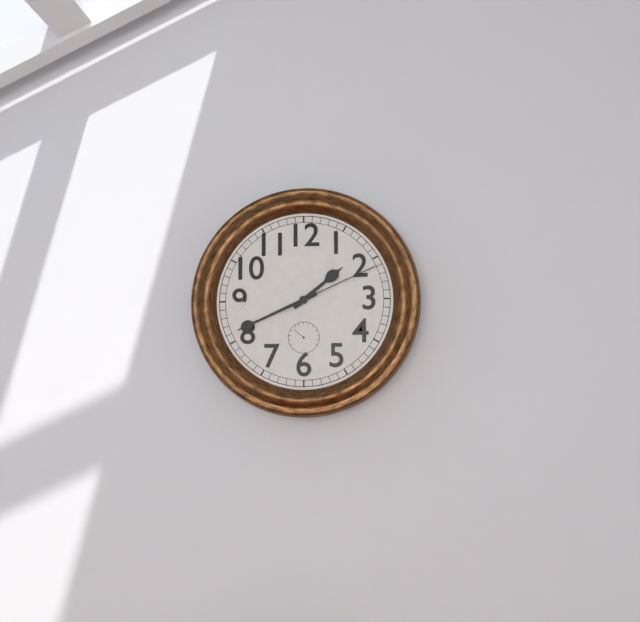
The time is 1h41m11s
